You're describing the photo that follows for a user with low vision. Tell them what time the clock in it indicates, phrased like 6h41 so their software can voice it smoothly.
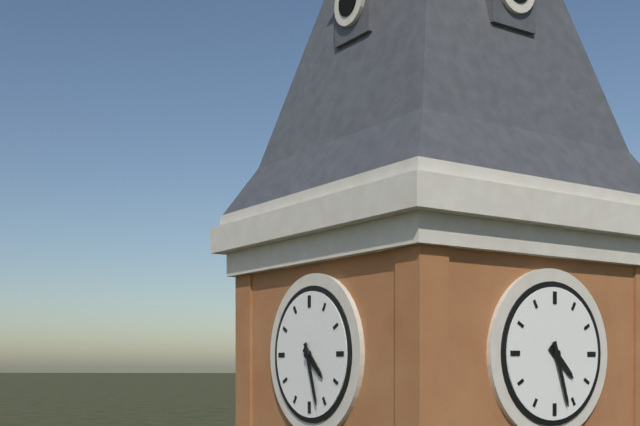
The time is 4h27
